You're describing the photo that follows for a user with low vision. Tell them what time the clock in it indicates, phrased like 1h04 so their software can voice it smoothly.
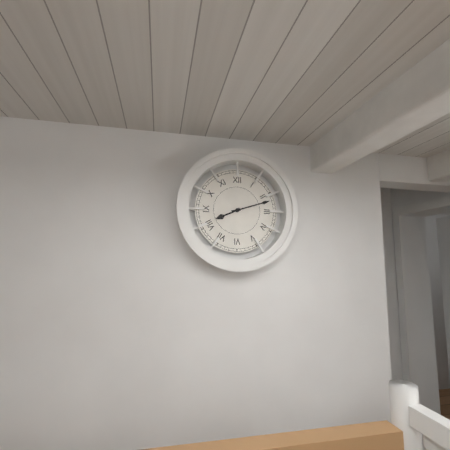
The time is 8h12
